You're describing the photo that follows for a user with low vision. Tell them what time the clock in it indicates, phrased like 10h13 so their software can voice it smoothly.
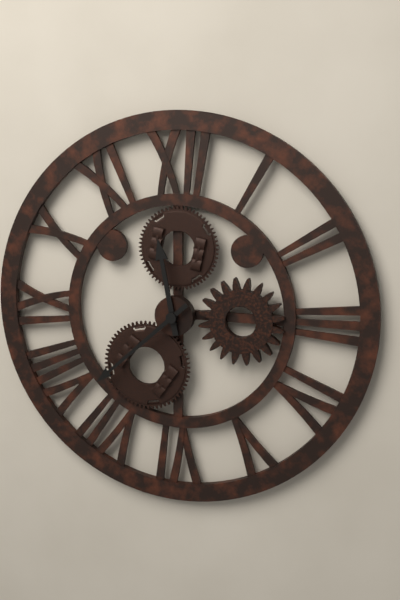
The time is 11h38
